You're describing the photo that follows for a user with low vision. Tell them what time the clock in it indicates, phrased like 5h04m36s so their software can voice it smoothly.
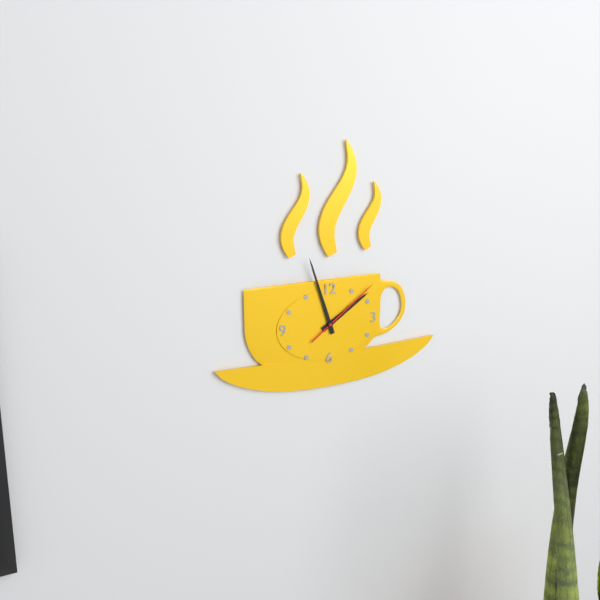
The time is 1h57m09s
